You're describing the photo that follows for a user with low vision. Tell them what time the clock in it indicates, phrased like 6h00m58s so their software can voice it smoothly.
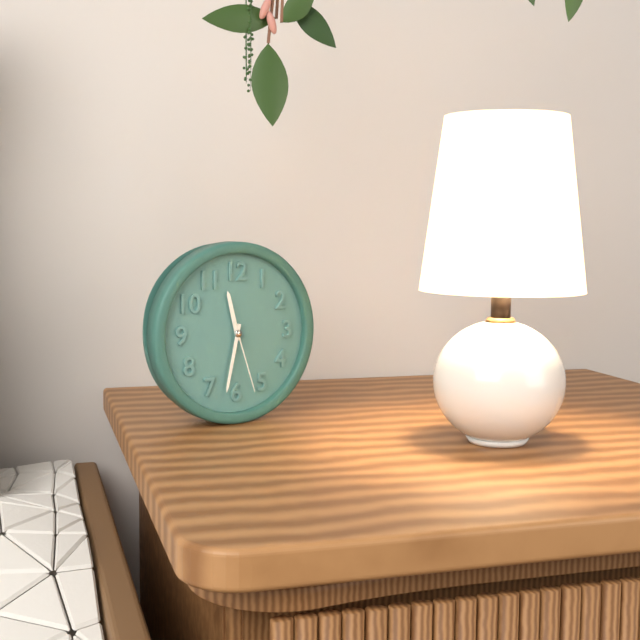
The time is 11h32m27s
